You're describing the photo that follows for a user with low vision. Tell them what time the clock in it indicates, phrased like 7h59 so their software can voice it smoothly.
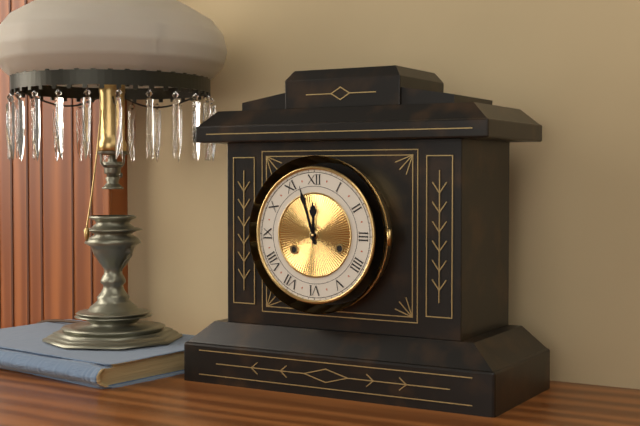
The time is 11h57
